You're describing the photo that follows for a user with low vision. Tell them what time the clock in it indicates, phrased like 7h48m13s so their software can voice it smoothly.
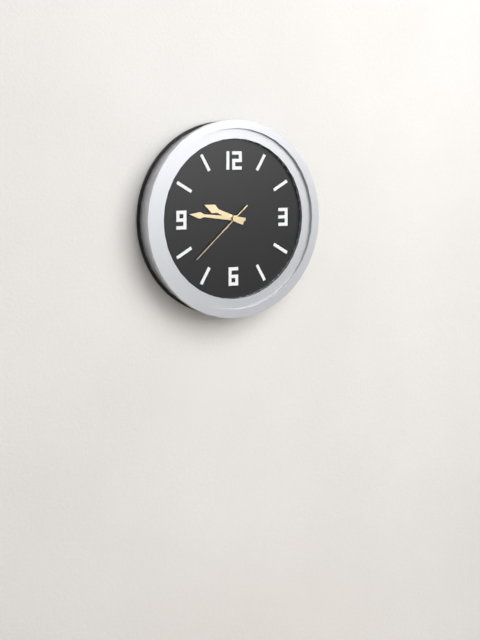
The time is 9h46m38s
